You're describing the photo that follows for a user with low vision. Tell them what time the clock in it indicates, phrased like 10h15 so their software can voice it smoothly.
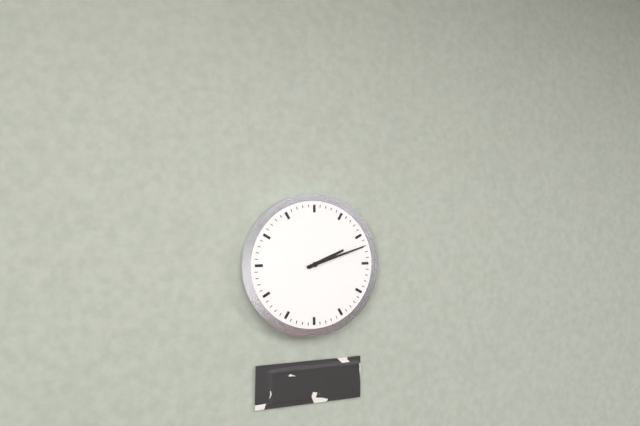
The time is 2h12
